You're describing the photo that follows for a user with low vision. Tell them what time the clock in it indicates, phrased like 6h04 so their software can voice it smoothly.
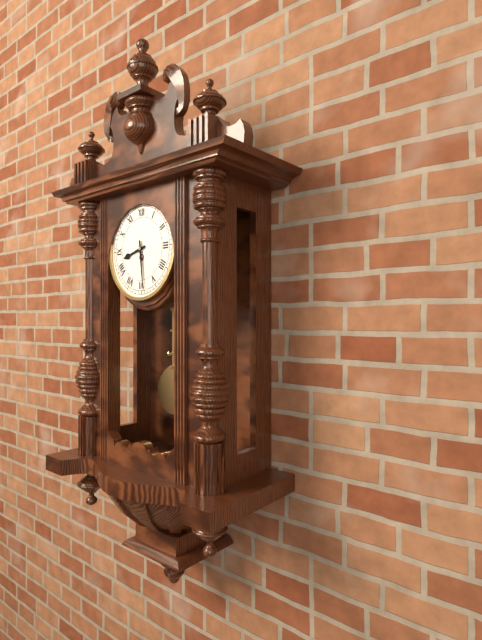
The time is 8h29
